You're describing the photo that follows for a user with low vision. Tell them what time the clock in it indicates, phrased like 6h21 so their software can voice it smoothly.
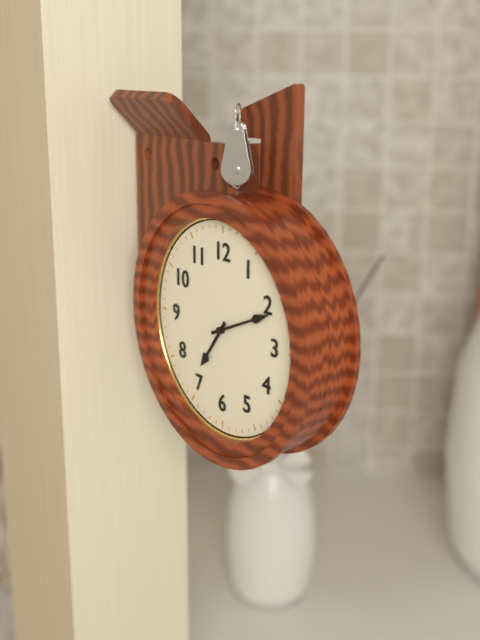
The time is 7h11
